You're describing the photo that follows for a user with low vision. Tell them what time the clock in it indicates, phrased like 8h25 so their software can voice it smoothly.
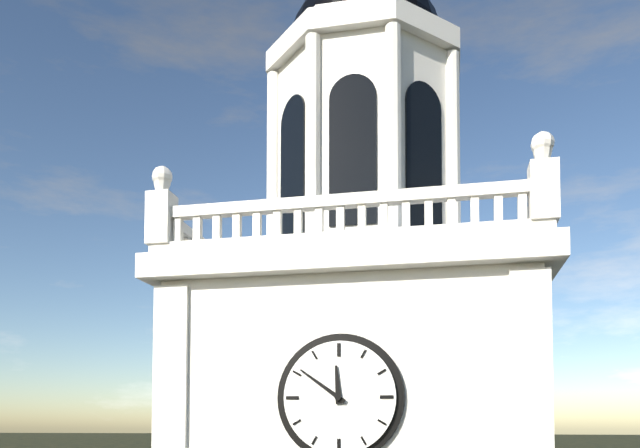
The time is 11h51
